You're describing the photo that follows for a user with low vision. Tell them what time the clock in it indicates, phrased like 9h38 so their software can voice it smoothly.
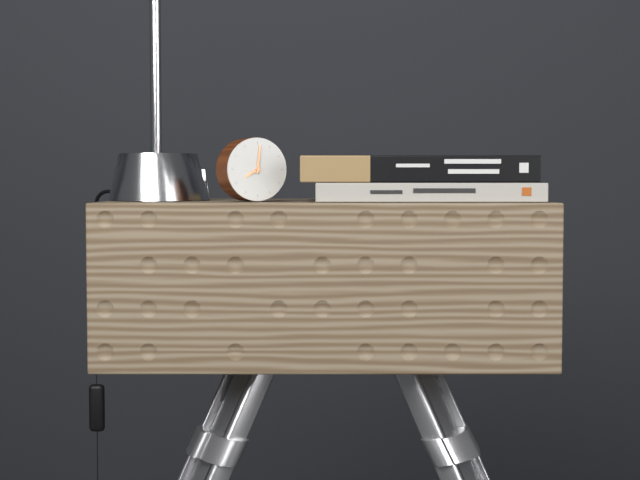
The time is 8h01
